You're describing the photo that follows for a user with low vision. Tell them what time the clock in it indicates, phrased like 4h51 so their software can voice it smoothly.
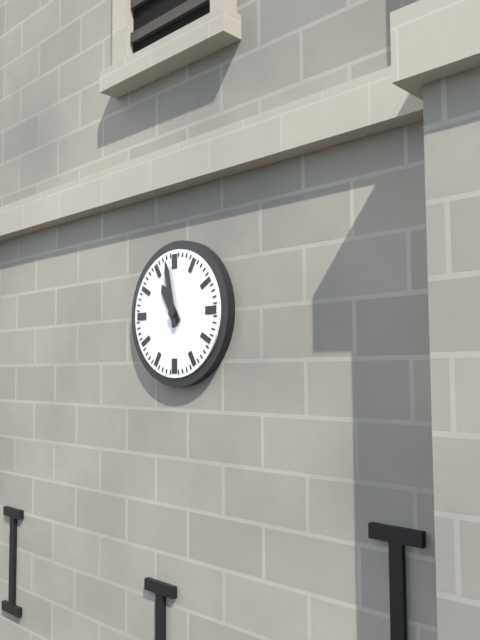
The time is 10h58
